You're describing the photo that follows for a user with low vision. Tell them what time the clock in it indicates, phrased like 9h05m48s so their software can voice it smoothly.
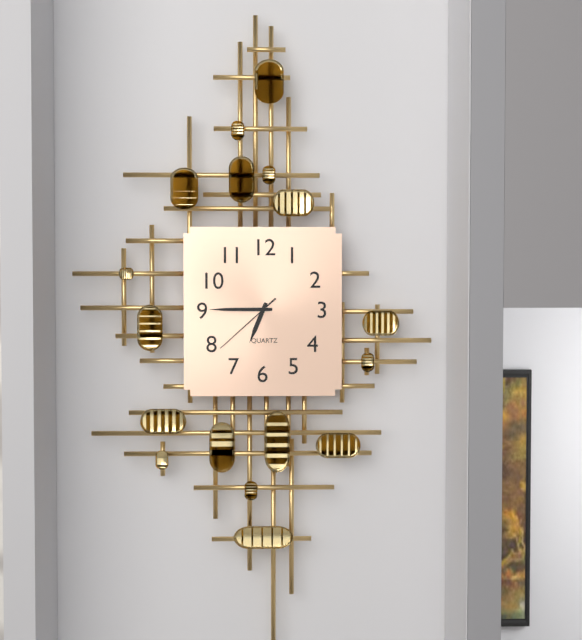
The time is 6h45m38s
